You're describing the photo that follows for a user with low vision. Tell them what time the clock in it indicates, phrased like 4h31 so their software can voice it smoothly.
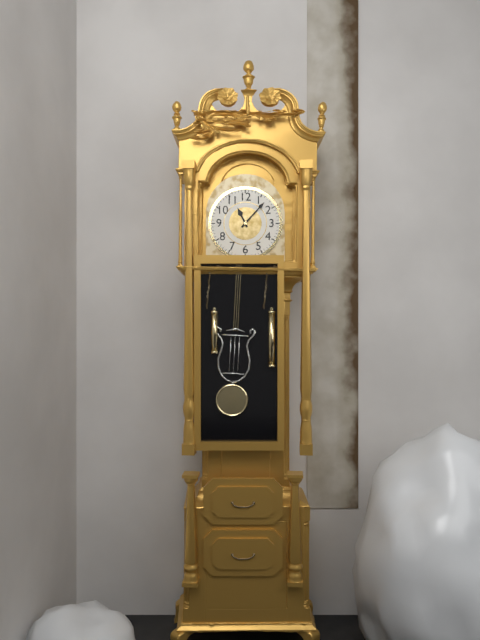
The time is 11h07
